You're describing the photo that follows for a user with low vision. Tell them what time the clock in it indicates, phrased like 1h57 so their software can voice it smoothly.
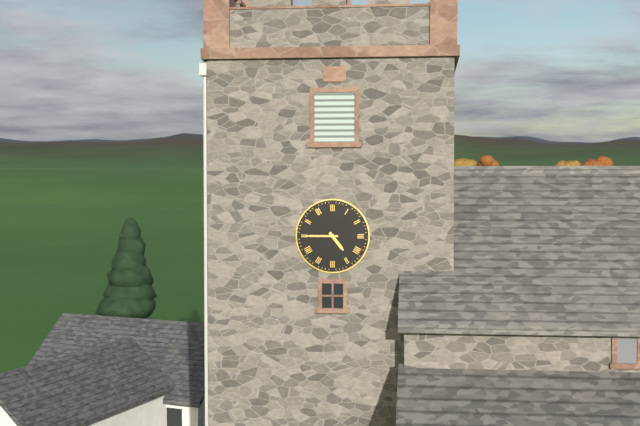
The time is 4h45
